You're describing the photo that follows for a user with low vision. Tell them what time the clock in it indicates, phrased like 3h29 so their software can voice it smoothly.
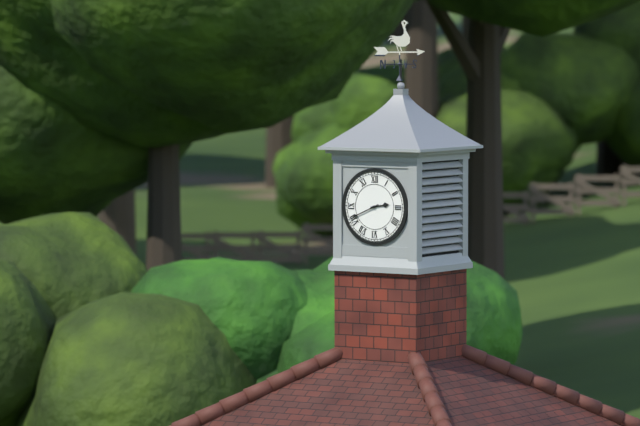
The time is 2h41
